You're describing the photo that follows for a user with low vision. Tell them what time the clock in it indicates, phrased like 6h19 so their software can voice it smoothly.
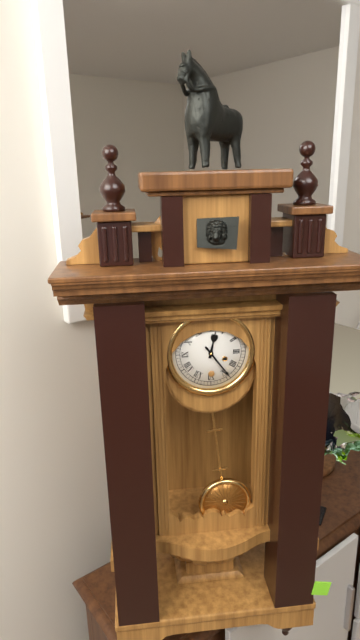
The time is 12h24
